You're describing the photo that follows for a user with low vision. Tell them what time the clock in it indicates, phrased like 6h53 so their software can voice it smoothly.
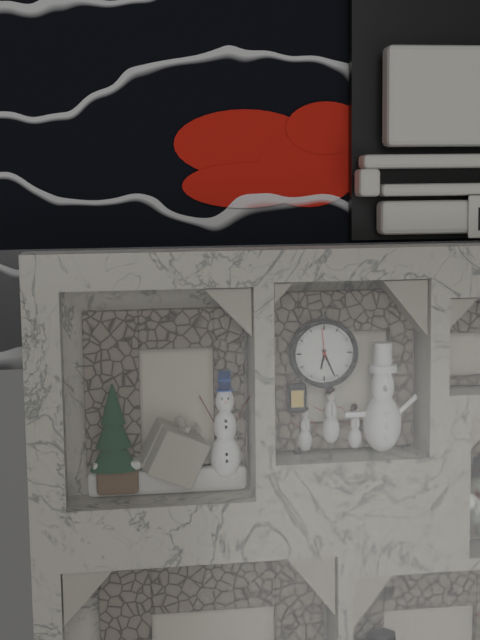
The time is 6h26
